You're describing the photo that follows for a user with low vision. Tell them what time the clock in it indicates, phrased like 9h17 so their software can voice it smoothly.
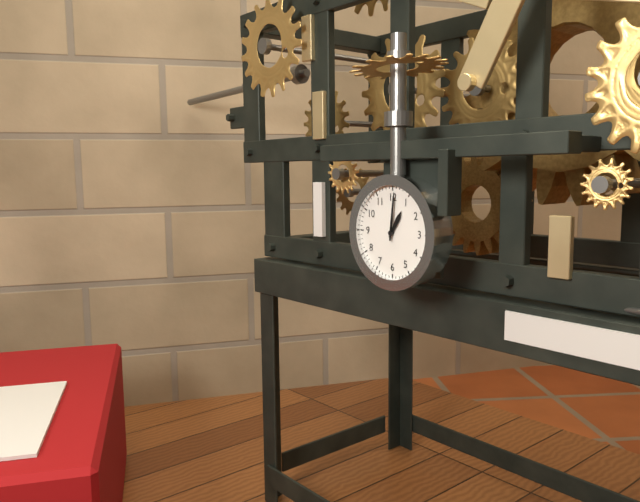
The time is 1h01
